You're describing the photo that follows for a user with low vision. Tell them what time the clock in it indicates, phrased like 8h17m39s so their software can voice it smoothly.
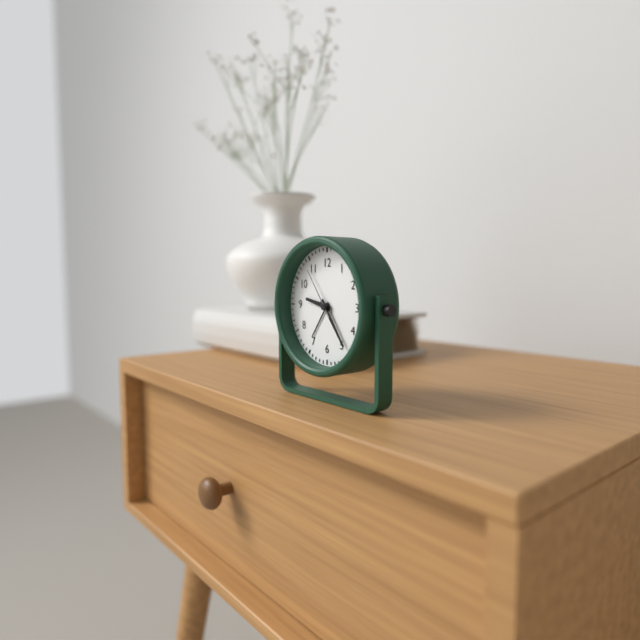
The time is 9h24m54s
